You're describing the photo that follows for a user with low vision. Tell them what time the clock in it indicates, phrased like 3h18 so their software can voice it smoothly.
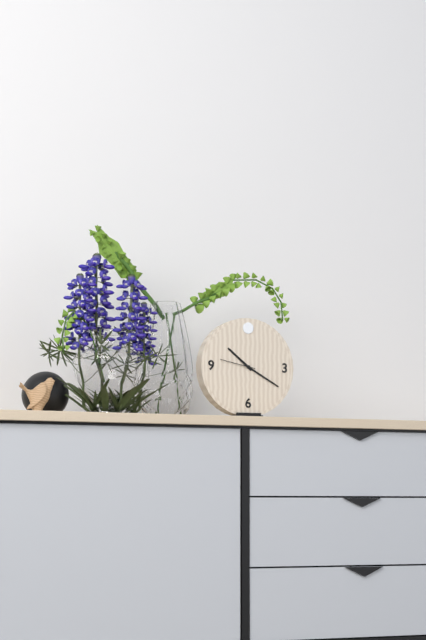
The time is 10h20
